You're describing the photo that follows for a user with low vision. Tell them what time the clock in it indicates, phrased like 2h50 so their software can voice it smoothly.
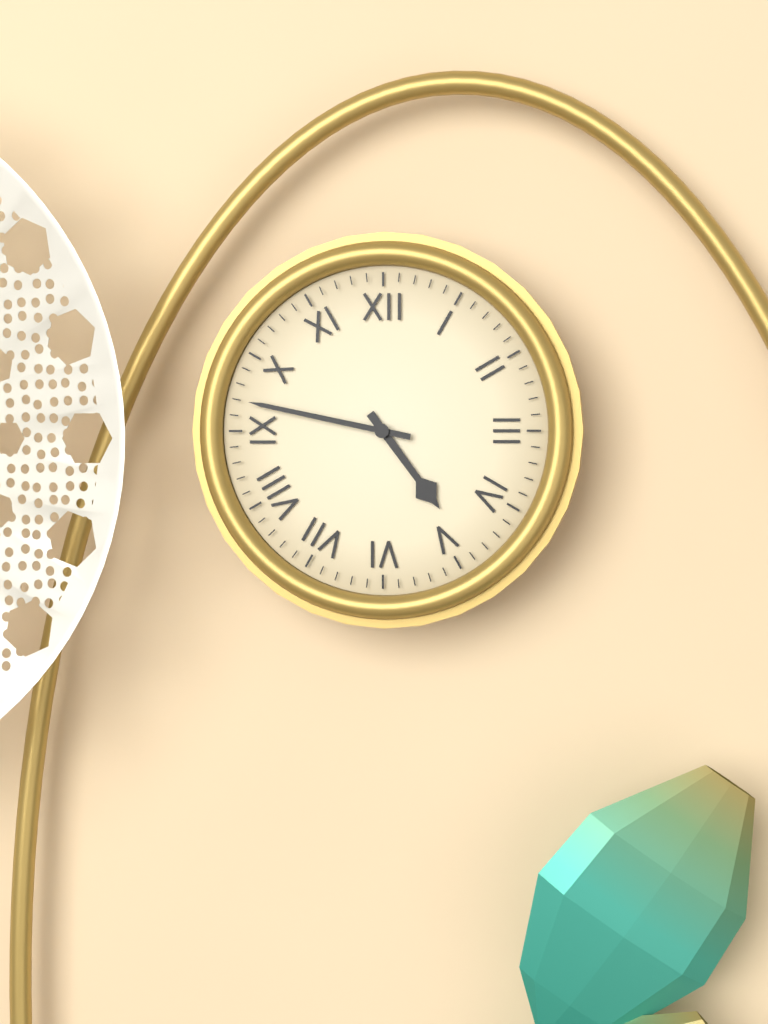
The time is 4h47
